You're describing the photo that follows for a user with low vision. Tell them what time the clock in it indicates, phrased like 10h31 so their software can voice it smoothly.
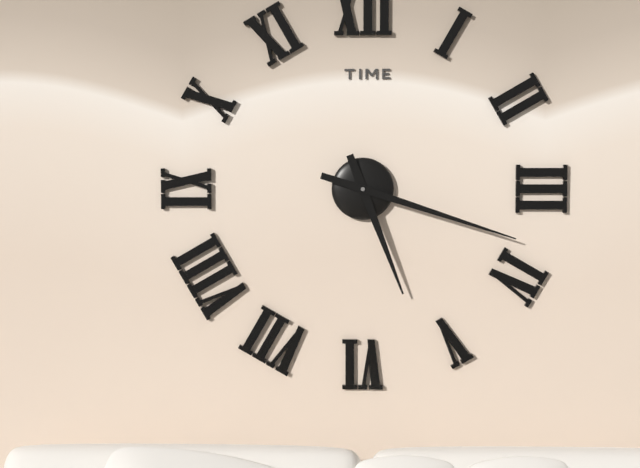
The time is 5h18
